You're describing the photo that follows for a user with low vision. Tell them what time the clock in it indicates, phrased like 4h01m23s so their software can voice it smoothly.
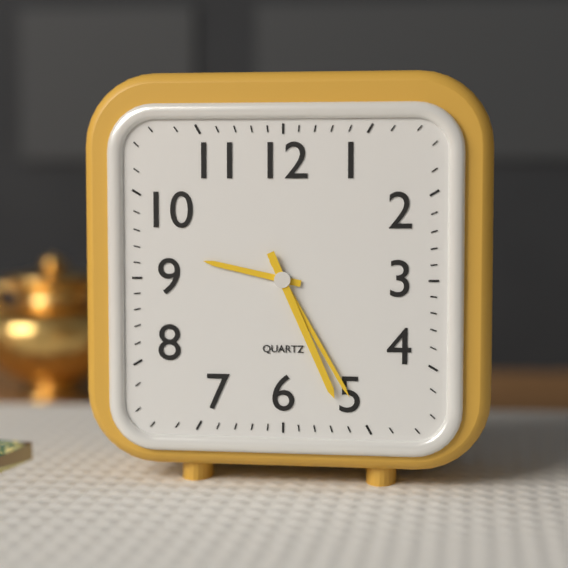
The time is 9h25m26s
